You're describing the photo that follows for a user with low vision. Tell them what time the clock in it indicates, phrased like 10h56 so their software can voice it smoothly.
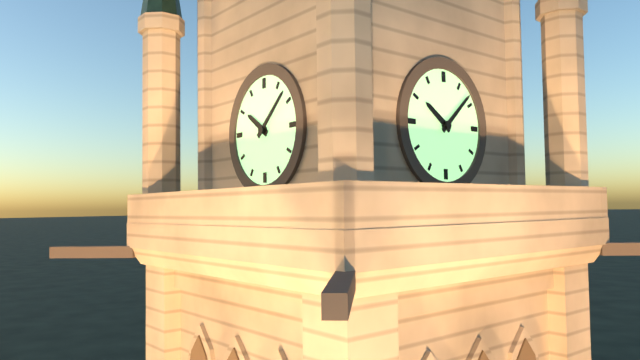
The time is 10h08
